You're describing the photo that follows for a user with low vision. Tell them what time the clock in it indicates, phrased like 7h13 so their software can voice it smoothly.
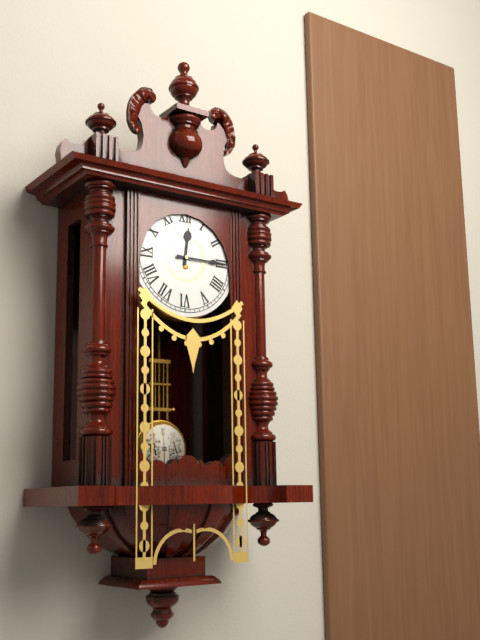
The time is 12h15
